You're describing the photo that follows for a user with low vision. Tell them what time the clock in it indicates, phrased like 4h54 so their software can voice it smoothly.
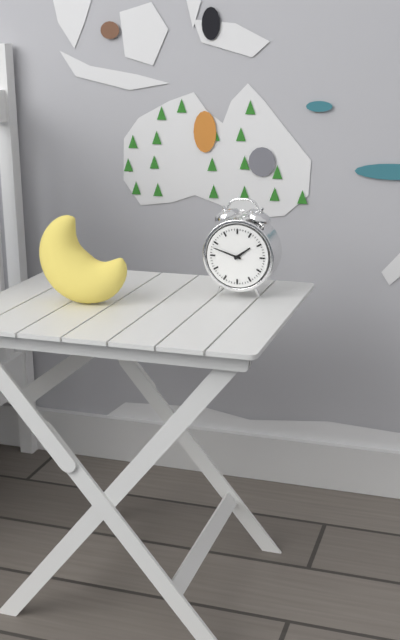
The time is 1h48
